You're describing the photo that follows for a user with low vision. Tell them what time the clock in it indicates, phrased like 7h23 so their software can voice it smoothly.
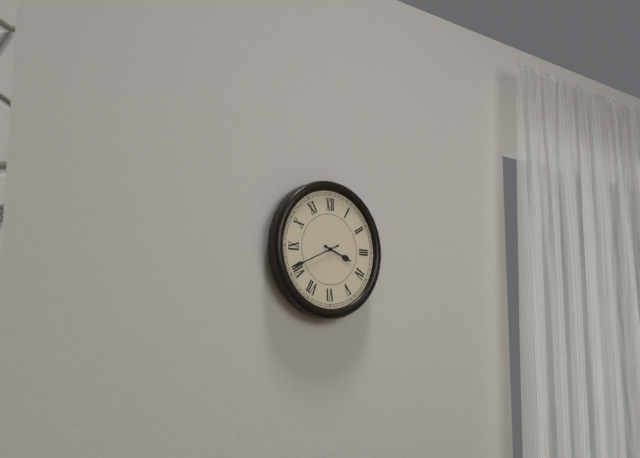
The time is 3h41
